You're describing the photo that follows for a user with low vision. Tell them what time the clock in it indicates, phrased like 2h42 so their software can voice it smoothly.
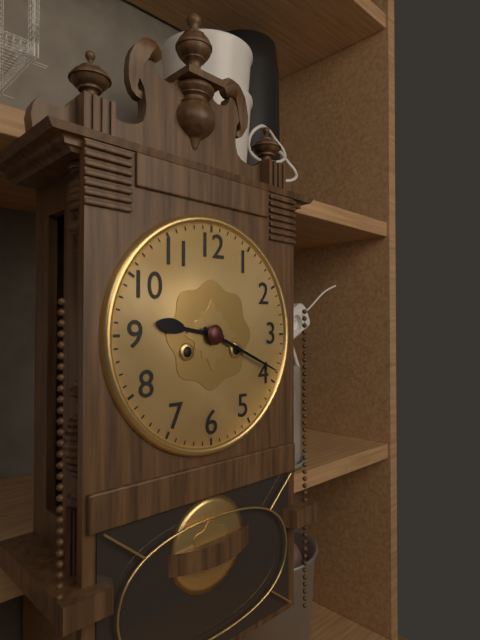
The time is 9h19
